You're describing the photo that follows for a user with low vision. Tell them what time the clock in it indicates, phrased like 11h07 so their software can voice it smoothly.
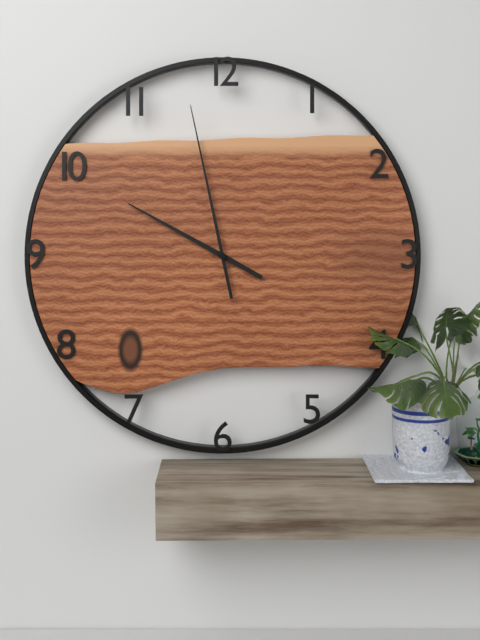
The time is 9h58
